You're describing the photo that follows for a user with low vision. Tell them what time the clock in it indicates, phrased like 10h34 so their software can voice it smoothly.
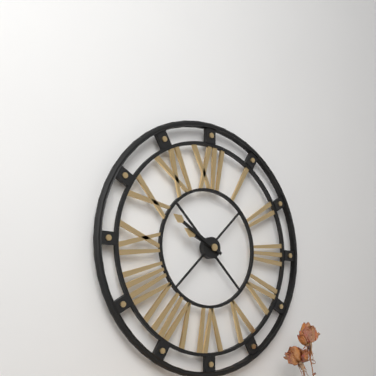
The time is 9h50
